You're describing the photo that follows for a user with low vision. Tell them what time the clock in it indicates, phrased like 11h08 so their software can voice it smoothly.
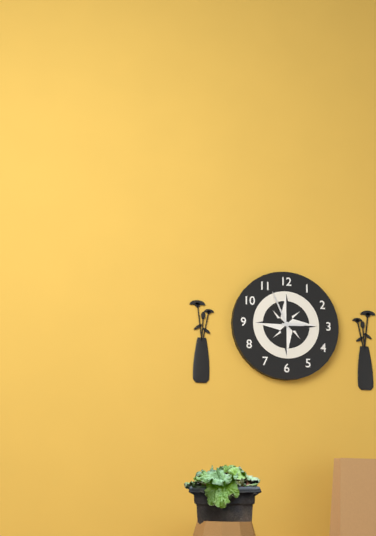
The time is 2h56
